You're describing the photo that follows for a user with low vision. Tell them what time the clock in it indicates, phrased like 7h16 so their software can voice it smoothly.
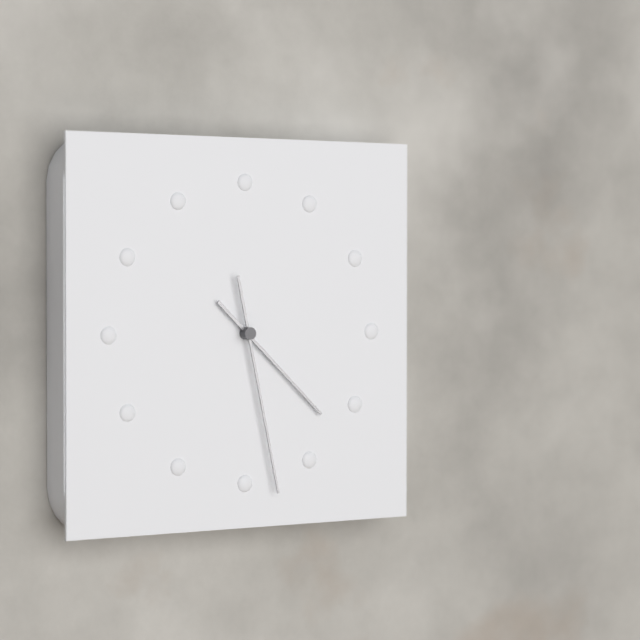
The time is 4h28
